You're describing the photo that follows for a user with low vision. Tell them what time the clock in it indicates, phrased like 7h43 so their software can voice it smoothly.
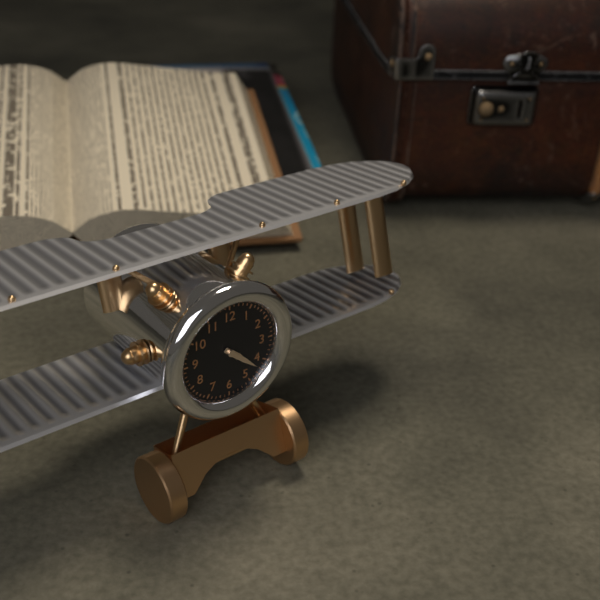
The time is 4h22
